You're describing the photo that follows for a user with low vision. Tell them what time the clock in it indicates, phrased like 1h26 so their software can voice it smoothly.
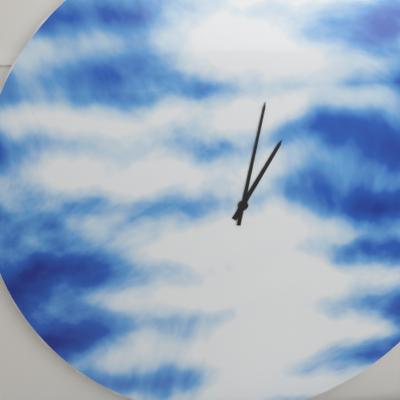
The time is 1h02
